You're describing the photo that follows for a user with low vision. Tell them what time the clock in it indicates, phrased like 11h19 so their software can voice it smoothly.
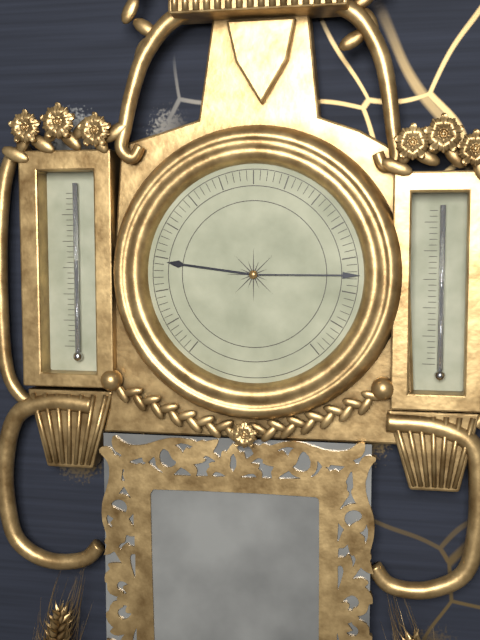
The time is 9h15
